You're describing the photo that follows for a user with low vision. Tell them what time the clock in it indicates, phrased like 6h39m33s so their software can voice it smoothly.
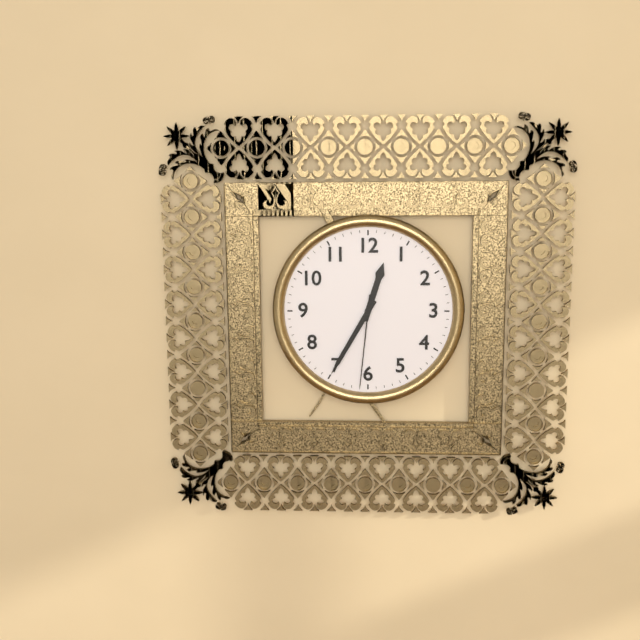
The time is 12h35m31s
